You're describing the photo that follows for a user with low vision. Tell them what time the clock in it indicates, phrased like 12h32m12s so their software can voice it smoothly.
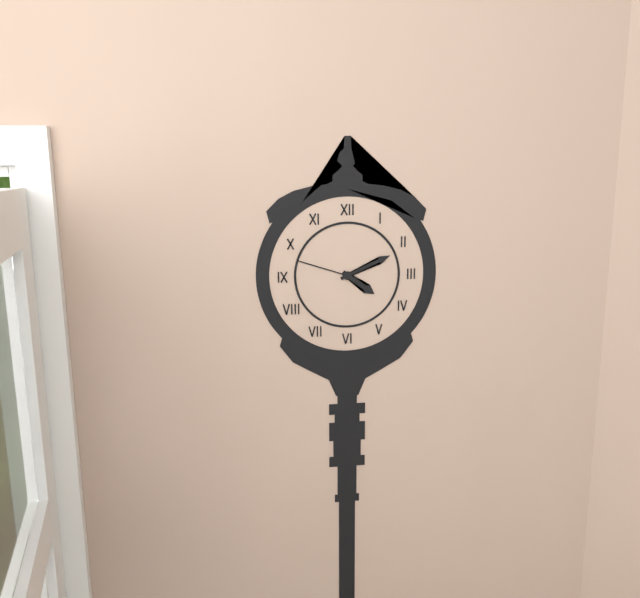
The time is 4h11m48s
